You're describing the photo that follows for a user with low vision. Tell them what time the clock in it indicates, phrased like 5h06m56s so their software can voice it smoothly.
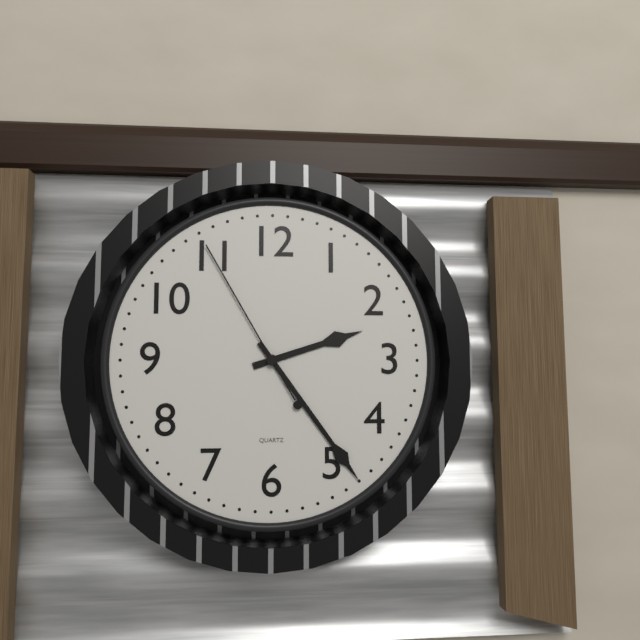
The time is 2h24m55s
